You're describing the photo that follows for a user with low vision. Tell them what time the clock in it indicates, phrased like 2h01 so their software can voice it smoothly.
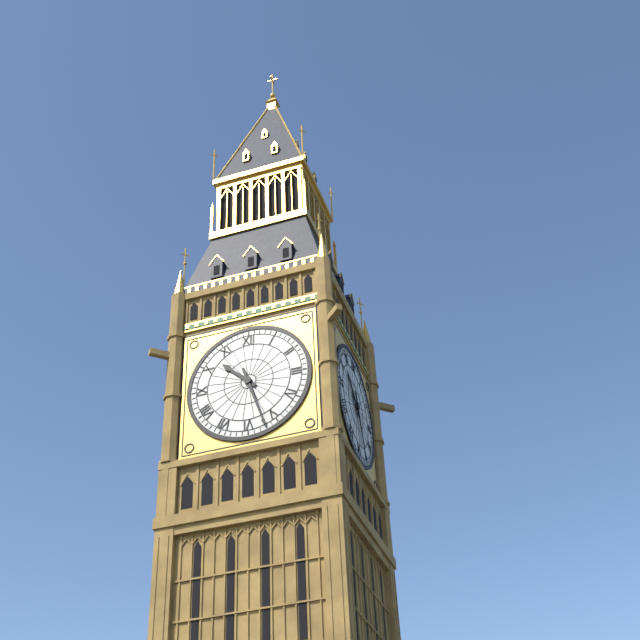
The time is 10h27
